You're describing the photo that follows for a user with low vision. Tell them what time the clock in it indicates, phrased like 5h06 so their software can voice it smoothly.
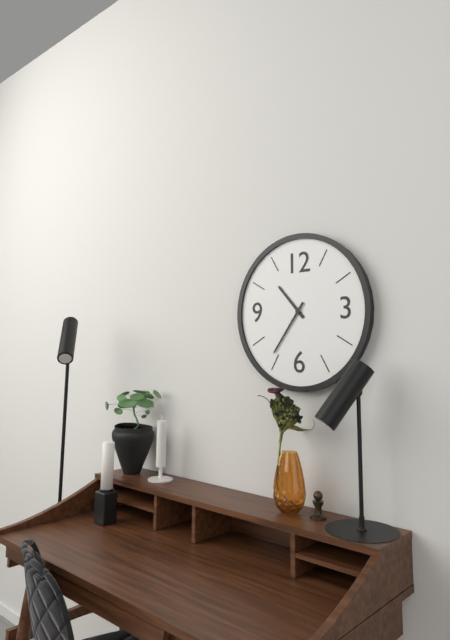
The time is 10h36
